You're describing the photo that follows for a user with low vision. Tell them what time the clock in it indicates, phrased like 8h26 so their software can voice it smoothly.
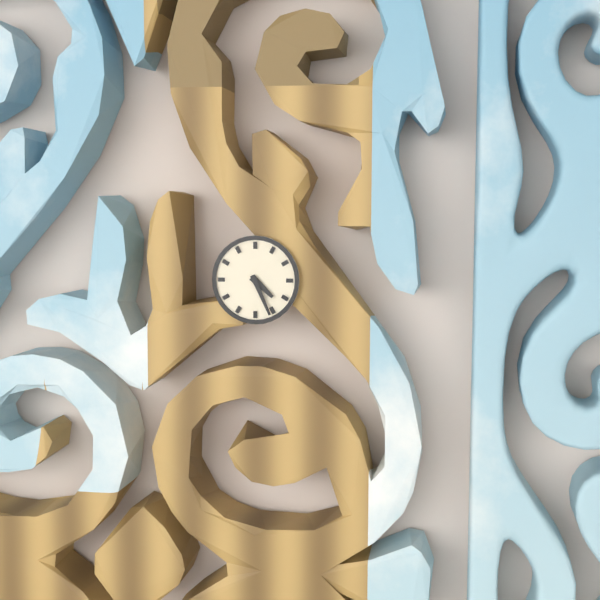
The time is 4h26
